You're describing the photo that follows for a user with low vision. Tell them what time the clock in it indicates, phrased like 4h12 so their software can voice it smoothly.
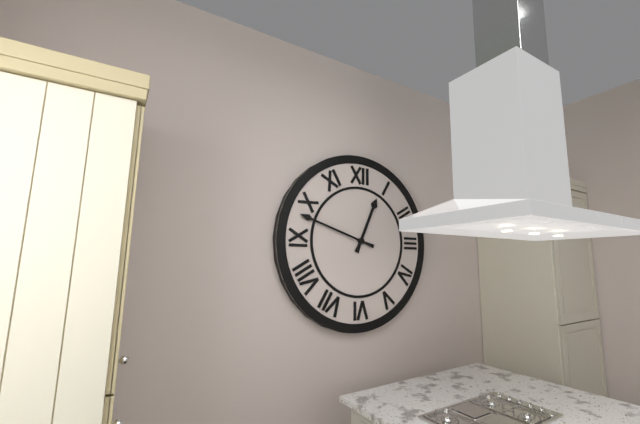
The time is 12h48
